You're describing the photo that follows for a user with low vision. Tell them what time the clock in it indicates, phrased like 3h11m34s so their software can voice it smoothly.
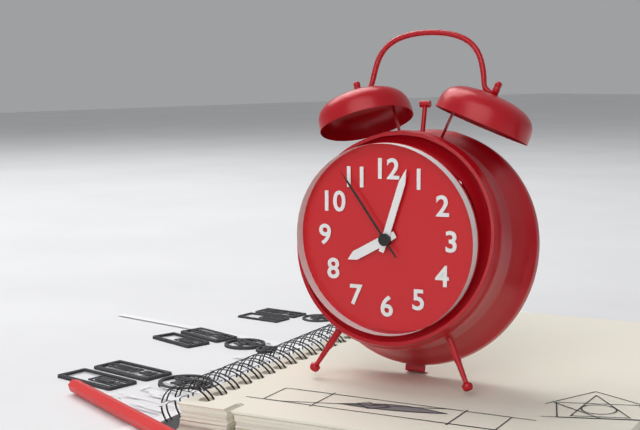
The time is 8h03m54s
